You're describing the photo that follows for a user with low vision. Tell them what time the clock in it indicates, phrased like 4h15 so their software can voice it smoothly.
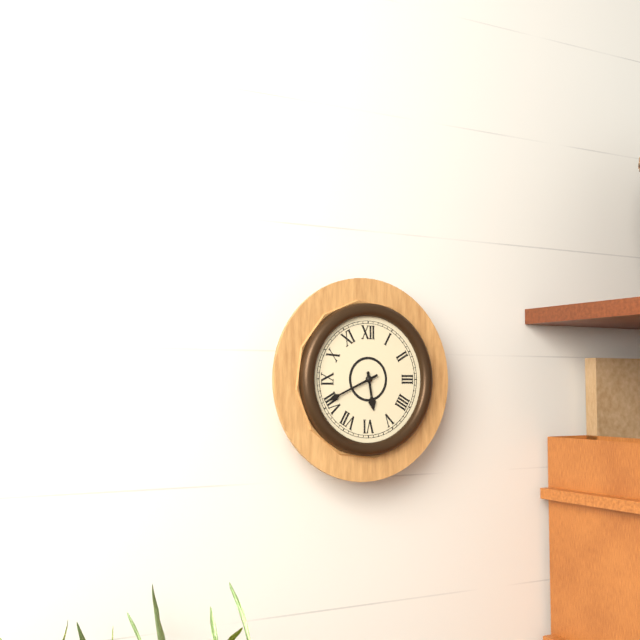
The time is 5h41
